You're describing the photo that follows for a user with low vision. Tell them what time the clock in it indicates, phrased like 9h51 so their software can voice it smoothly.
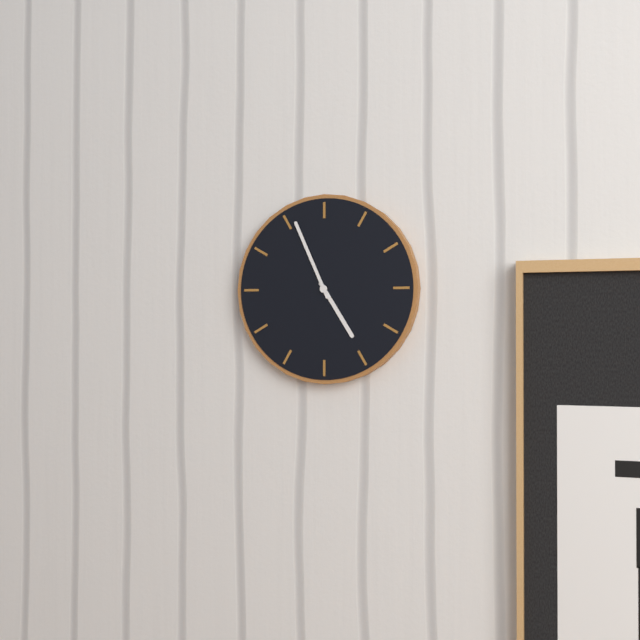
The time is 4h56
